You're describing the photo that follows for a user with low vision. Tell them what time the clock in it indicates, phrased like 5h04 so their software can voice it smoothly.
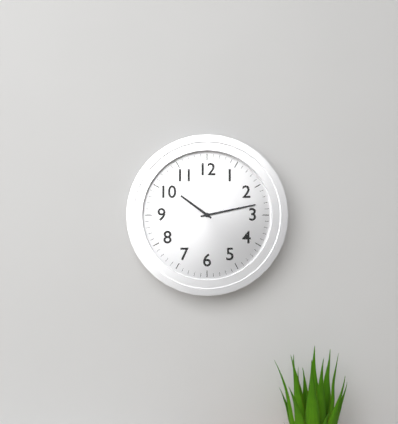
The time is 10h13
